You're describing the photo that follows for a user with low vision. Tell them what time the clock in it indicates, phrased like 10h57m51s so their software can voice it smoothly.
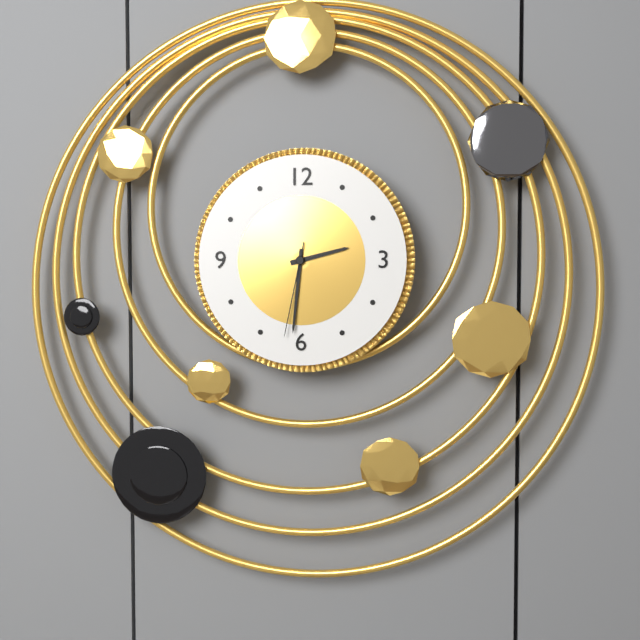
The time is 2h31m32s
